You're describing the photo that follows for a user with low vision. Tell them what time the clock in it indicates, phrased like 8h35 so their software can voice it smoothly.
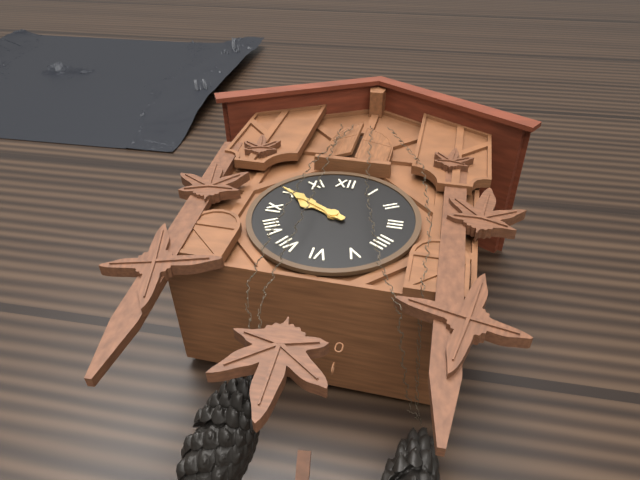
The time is 9h50
